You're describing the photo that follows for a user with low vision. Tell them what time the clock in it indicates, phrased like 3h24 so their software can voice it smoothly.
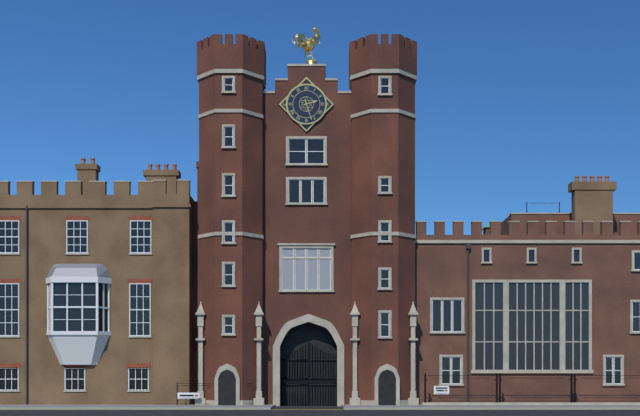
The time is 2h27
